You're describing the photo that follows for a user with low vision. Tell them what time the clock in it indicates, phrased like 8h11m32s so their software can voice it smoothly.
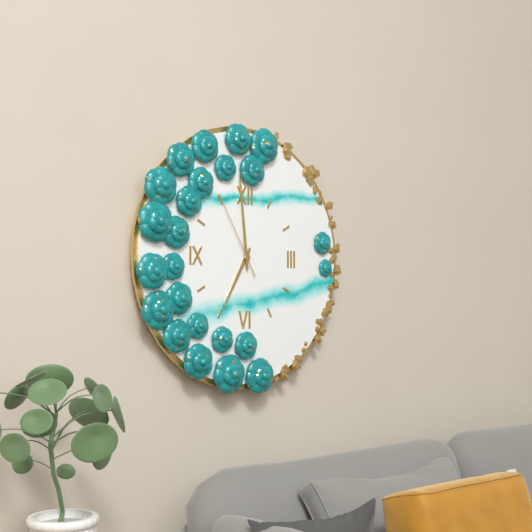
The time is 6h59m55s
